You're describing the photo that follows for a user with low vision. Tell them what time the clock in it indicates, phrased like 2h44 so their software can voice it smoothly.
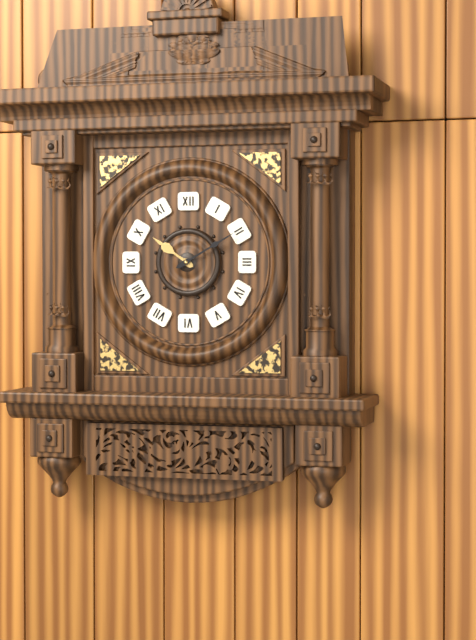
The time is 10h10
